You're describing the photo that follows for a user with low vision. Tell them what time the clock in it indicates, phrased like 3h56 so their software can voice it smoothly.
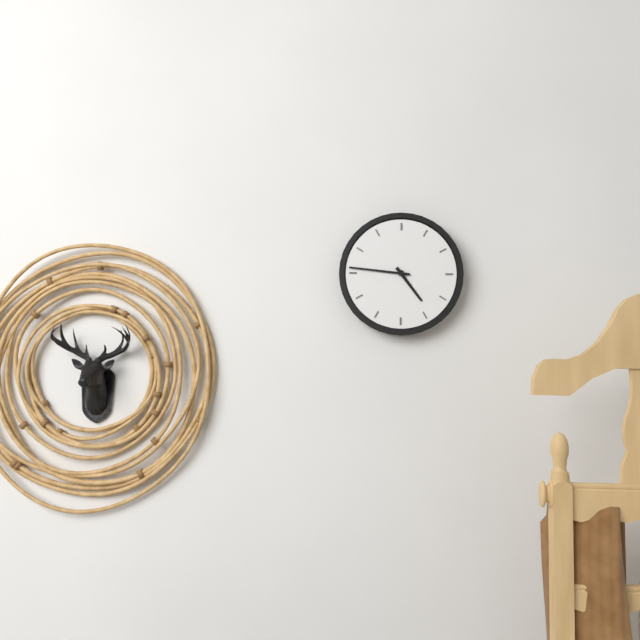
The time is 4h46
